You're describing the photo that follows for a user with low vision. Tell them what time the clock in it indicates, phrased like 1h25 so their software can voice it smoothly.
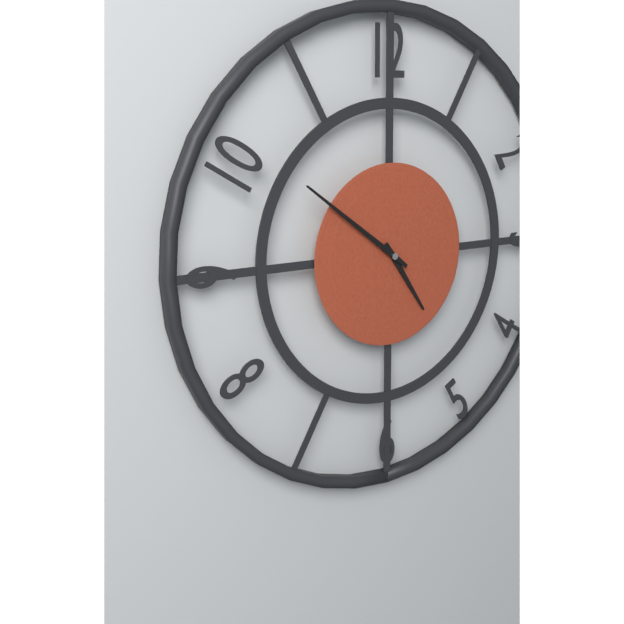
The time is 4h51
